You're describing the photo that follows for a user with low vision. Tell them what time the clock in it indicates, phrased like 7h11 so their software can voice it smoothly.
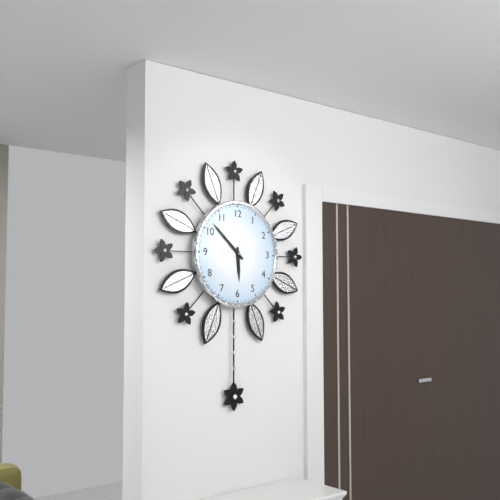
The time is 5h52
